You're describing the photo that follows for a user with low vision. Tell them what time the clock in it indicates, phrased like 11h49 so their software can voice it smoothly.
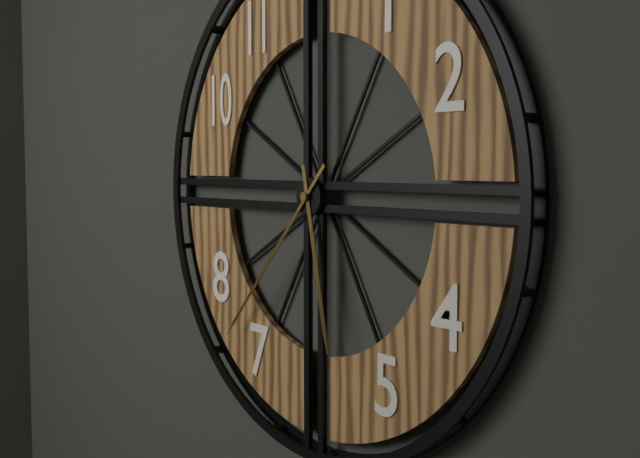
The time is 5h37
